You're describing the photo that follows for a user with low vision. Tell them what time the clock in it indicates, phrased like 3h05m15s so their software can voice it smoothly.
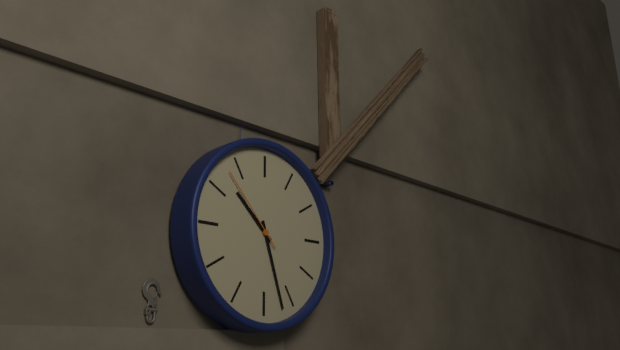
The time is 10h27m53s
